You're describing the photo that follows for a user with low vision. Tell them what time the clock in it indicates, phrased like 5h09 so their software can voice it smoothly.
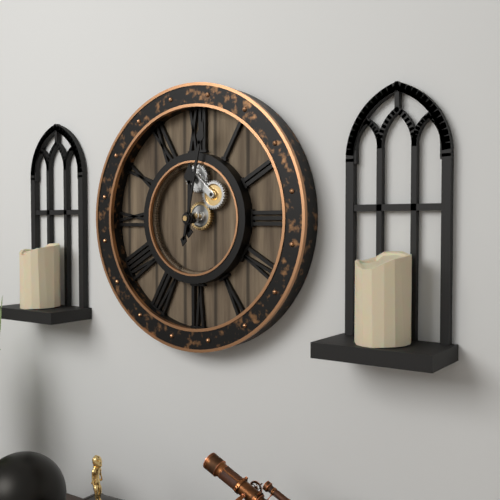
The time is 12h02
